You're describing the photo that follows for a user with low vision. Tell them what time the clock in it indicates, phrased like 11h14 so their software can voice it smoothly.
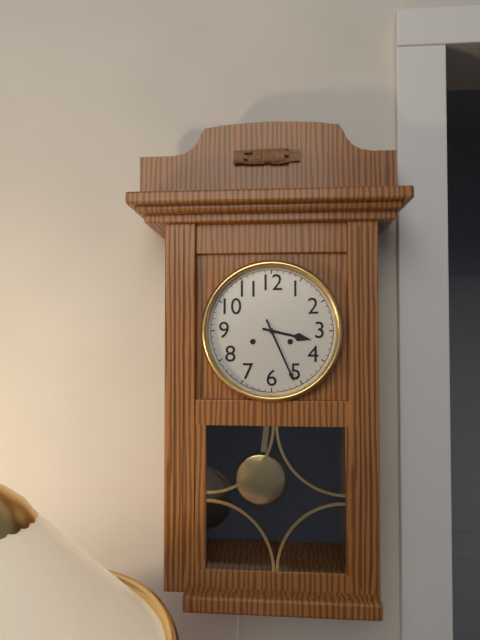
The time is 3h26
